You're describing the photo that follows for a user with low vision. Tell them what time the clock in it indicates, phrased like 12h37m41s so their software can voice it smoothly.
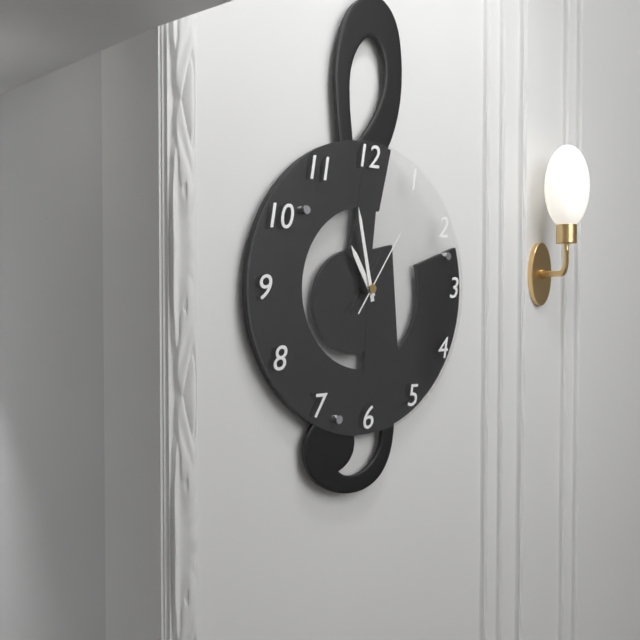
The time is 10h58m06s
